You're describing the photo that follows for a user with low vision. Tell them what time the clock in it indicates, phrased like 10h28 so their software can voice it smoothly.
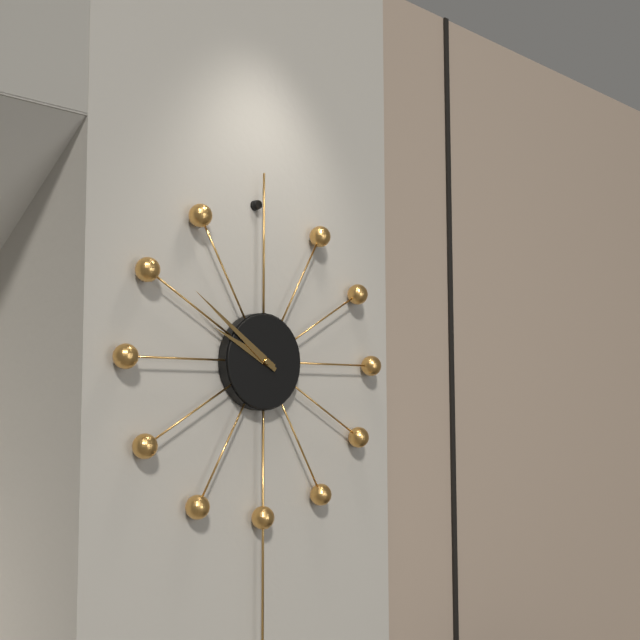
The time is 9h51
